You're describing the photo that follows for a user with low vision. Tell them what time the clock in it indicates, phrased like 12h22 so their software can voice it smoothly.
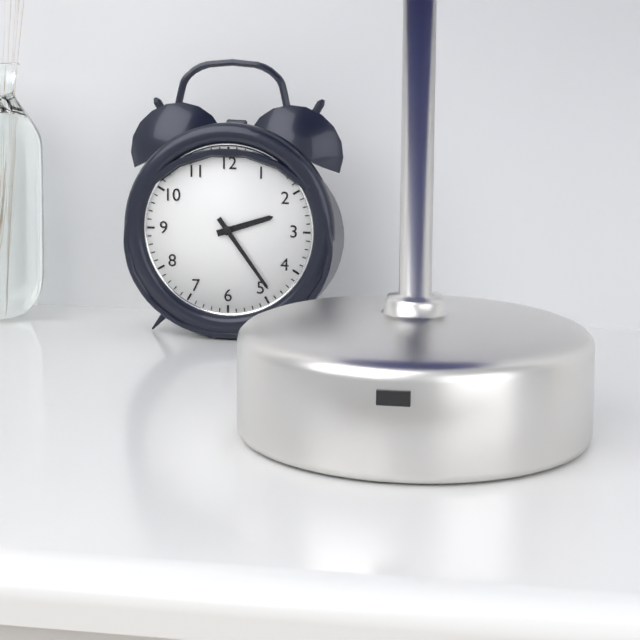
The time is 2h24
